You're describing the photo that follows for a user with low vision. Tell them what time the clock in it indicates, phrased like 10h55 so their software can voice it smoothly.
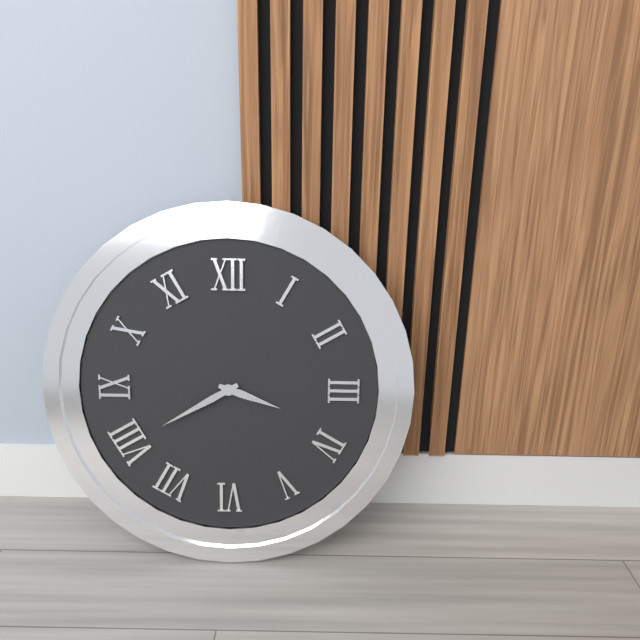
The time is 3h40
